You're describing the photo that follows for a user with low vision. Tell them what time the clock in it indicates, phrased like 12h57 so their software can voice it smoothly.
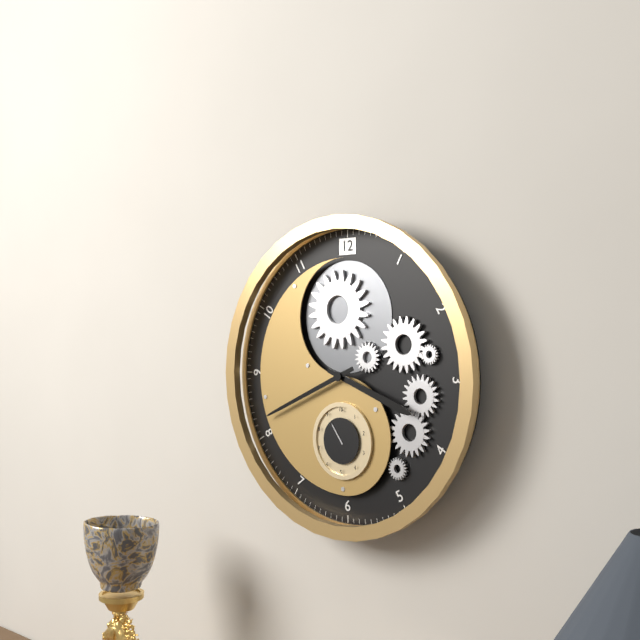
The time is 3h41
